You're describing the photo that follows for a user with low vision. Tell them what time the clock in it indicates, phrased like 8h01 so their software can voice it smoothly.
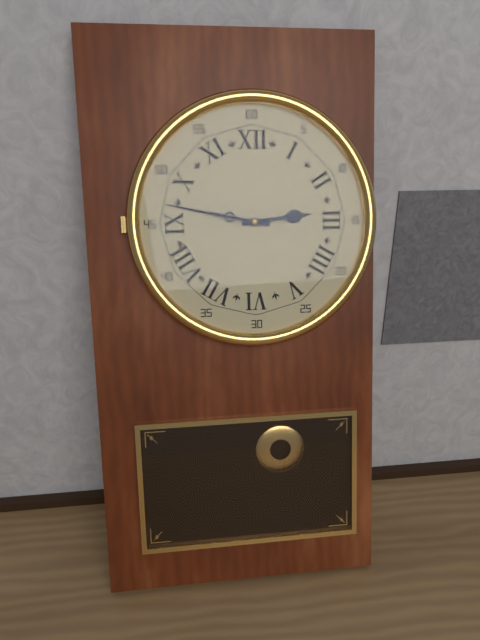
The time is 2h47
